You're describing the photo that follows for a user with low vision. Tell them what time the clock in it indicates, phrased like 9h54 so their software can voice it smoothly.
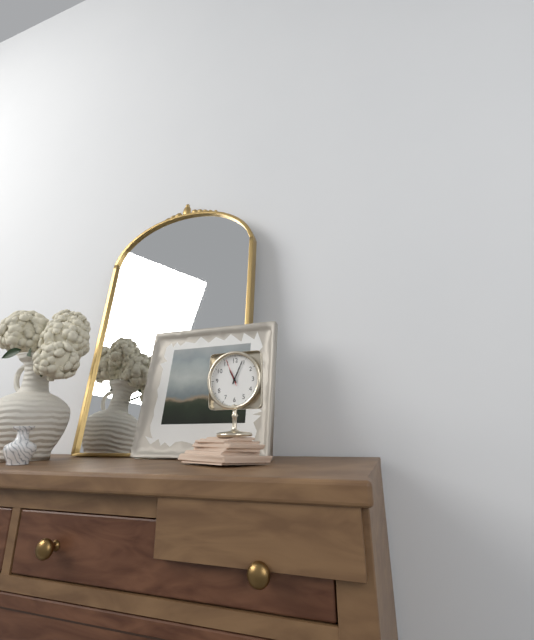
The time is 11h04
